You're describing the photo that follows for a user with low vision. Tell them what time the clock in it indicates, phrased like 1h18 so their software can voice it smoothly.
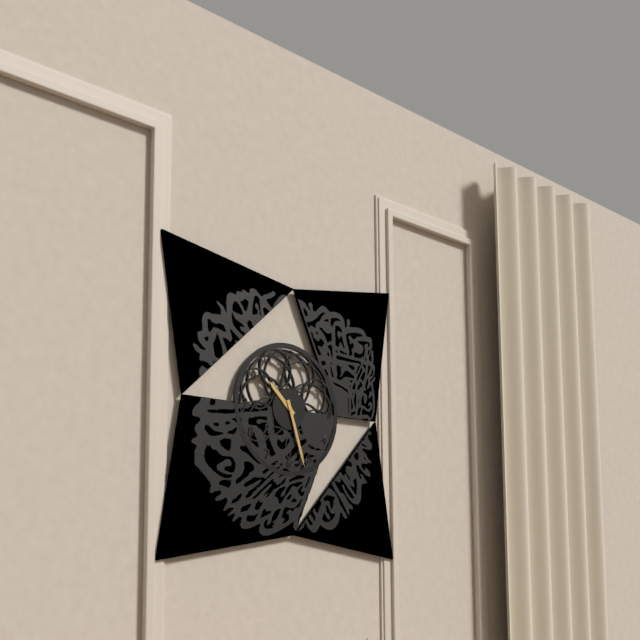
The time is 10h27
